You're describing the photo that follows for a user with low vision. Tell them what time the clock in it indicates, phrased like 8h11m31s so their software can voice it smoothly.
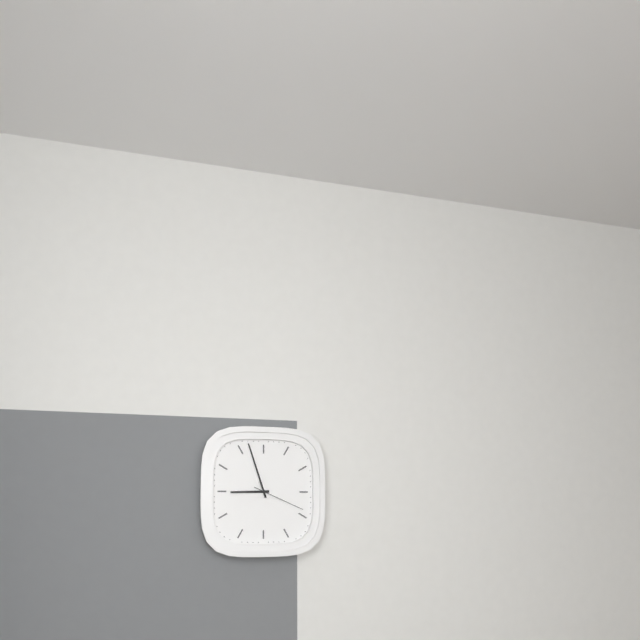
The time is 8h57m19s
